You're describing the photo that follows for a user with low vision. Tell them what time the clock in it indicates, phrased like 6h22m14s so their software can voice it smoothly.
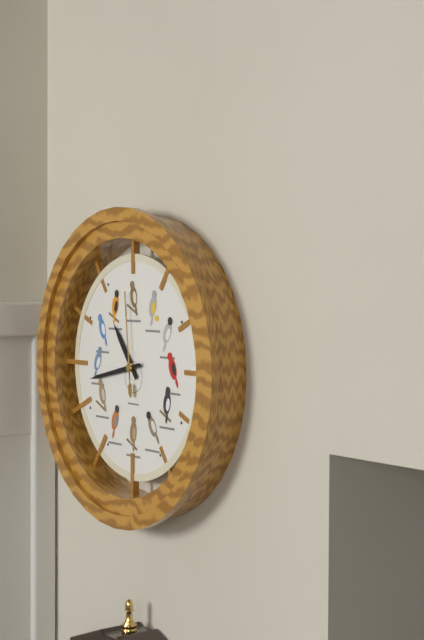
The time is 10h43m59s
